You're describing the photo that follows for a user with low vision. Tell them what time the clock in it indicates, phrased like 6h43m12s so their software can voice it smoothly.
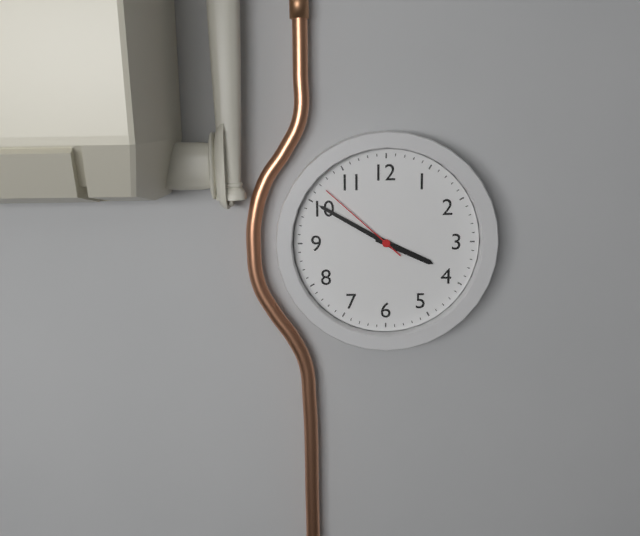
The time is 3h50m52s
